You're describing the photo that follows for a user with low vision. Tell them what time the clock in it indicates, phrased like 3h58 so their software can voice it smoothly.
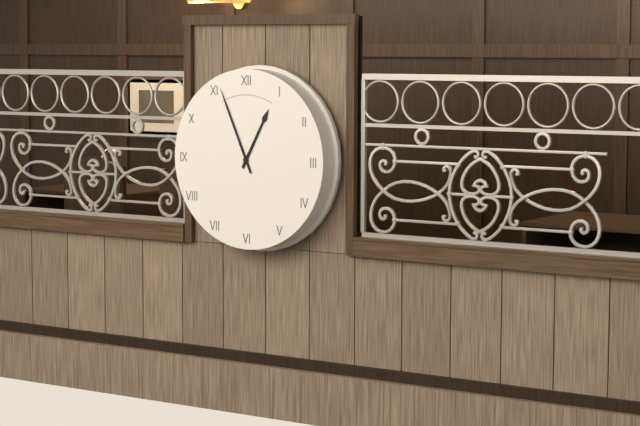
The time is 12h56
